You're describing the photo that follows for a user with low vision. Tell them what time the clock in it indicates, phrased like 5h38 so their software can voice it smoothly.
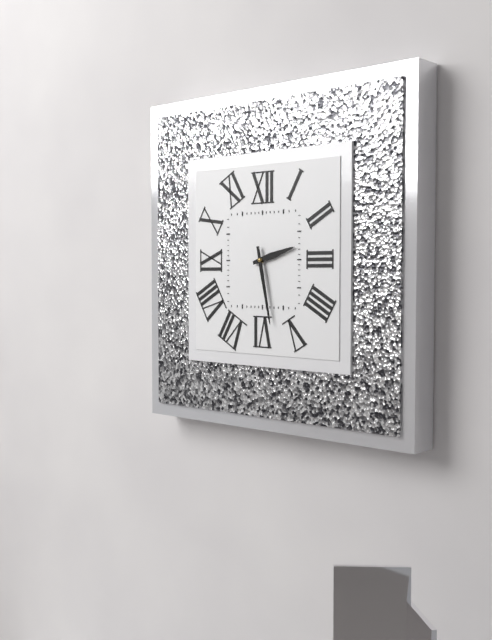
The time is 2h28
